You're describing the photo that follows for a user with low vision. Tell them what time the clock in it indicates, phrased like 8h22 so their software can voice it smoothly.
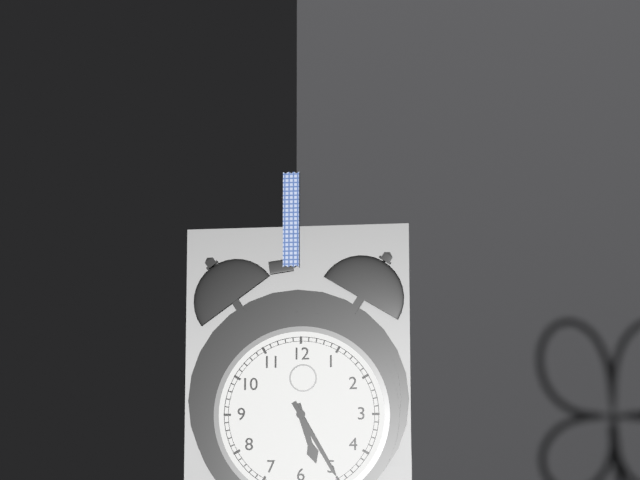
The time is 5h25
